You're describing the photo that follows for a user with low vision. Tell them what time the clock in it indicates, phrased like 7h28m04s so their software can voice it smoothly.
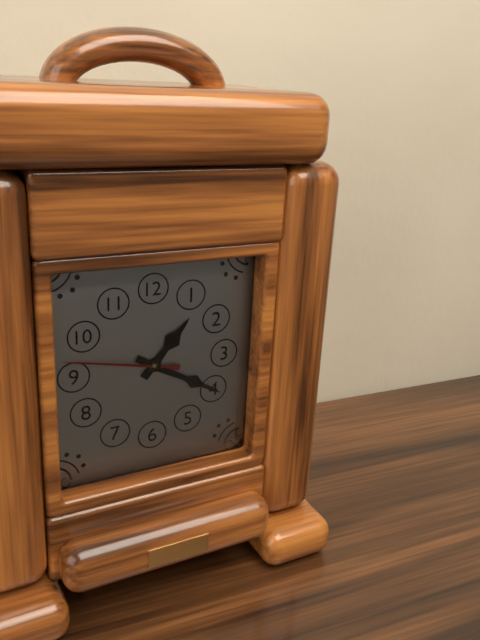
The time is 1h20m47s
